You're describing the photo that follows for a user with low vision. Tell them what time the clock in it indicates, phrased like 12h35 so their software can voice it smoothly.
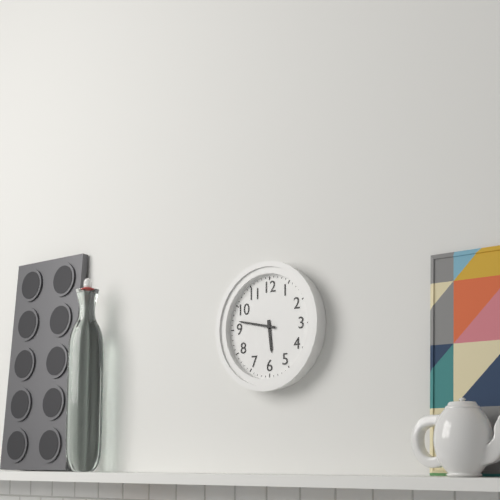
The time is 5h47
